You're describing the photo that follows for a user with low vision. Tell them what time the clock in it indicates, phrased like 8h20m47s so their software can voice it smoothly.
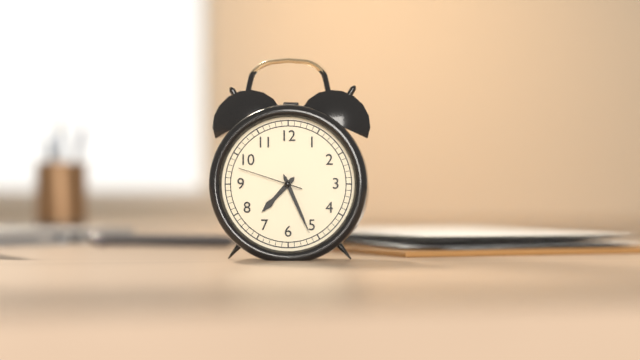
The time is 7h26m48s
